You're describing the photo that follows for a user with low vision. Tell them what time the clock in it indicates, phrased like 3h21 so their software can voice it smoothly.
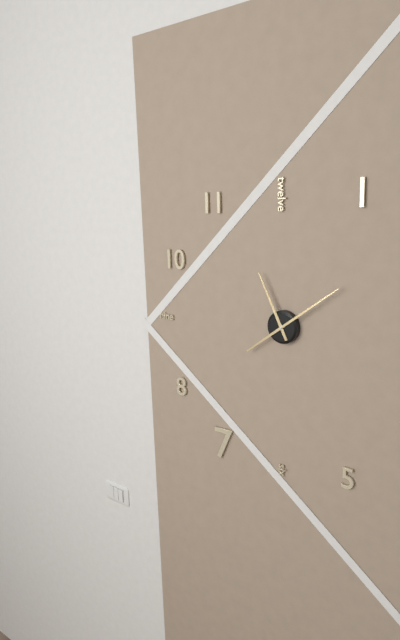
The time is 11h09
